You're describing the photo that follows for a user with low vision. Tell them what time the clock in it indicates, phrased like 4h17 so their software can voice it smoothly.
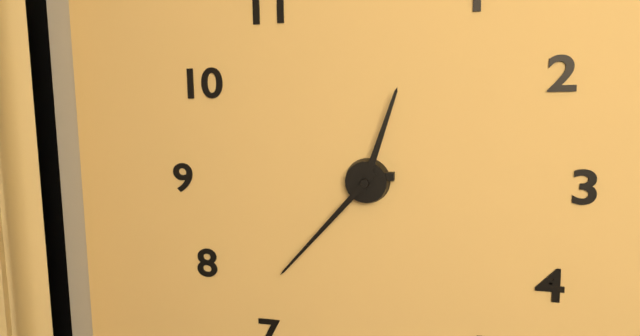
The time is 12h37
